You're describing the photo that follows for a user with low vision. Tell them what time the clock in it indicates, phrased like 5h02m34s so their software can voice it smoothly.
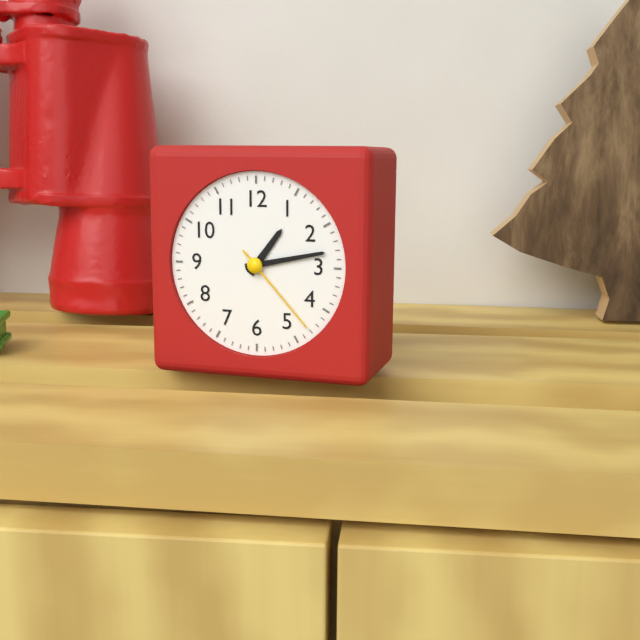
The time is 1h13m23s
